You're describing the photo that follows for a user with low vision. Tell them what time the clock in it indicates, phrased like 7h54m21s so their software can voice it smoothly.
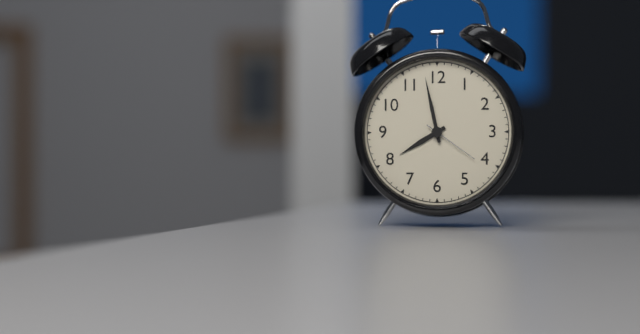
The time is 7h58m21s
